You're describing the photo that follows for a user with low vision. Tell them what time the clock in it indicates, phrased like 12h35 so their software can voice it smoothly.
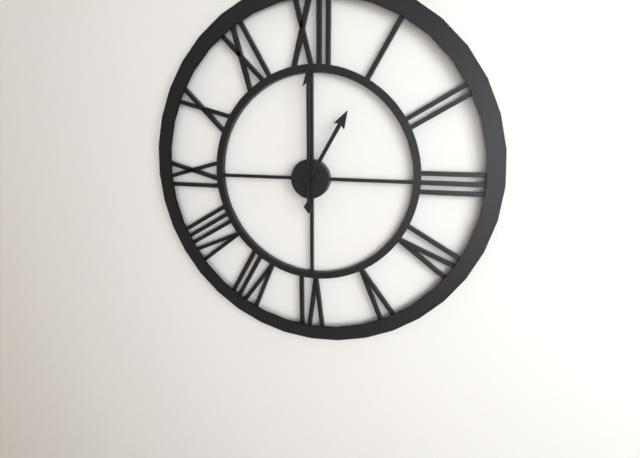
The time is 1h00
